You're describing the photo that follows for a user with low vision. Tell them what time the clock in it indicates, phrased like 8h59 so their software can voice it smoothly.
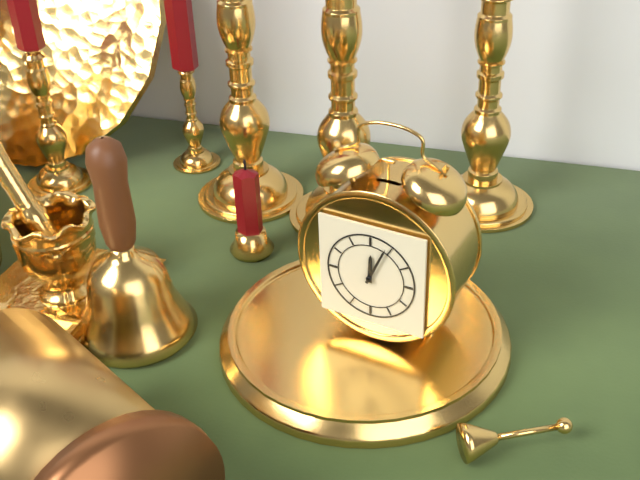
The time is 12h04
